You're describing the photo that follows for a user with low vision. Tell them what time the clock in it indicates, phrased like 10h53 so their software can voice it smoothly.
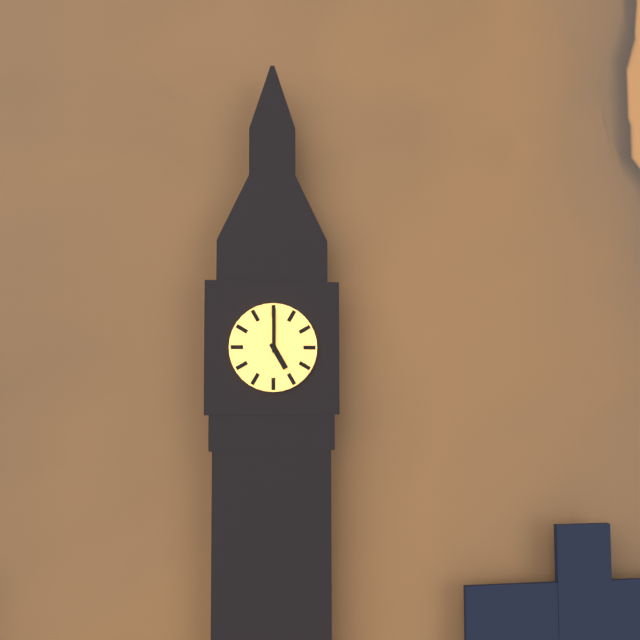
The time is 5h00
